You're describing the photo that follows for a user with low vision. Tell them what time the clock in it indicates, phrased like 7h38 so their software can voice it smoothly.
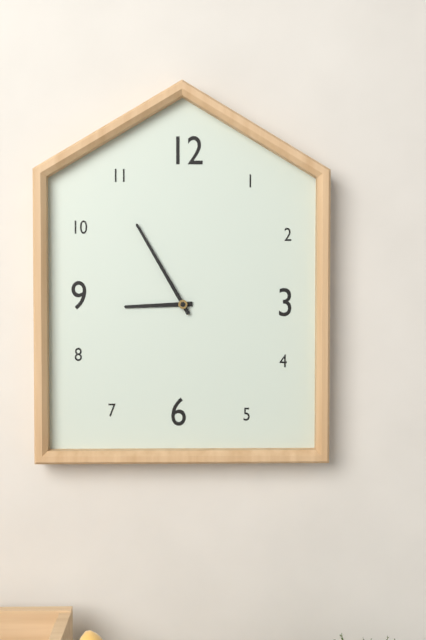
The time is 8h55
